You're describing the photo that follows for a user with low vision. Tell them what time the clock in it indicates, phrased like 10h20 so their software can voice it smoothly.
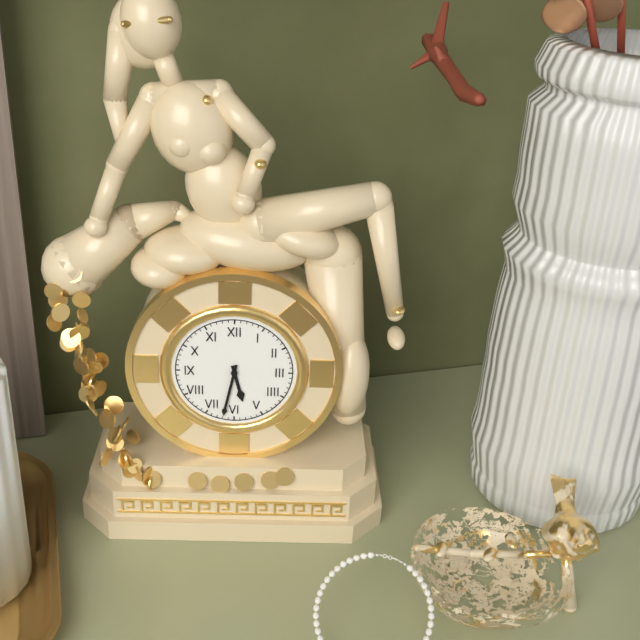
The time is 5h32
